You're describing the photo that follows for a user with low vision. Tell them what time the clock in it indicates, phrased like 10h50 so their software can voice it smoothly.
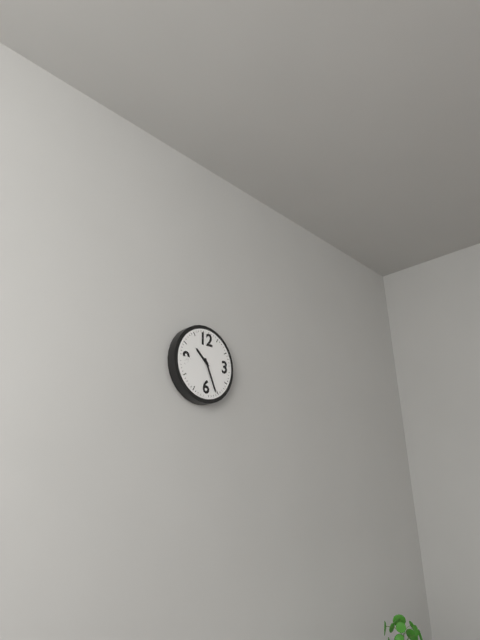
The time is 10h26
